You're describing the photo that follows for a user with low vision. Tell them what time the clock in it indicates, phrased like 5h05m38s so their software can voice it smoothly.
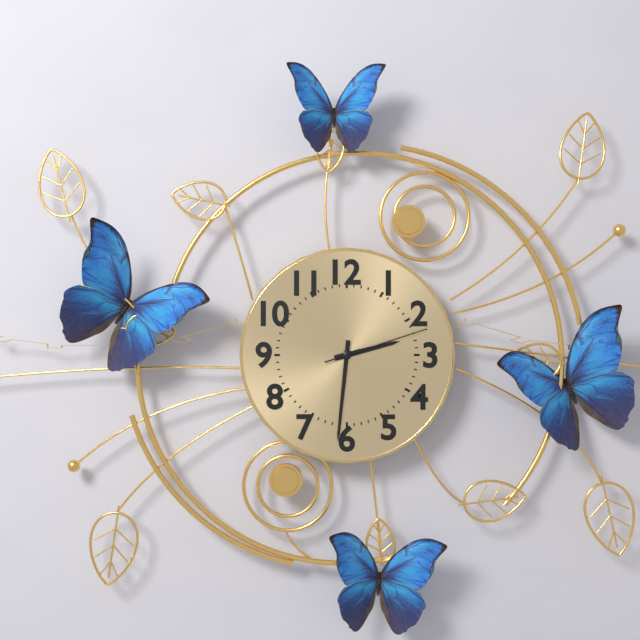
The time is 2h31m12s
